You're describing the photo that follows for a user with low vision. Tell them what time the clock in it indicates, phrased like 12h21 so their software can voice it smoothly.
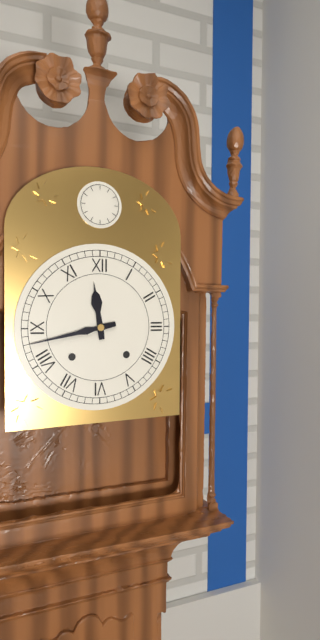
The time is 11h43
